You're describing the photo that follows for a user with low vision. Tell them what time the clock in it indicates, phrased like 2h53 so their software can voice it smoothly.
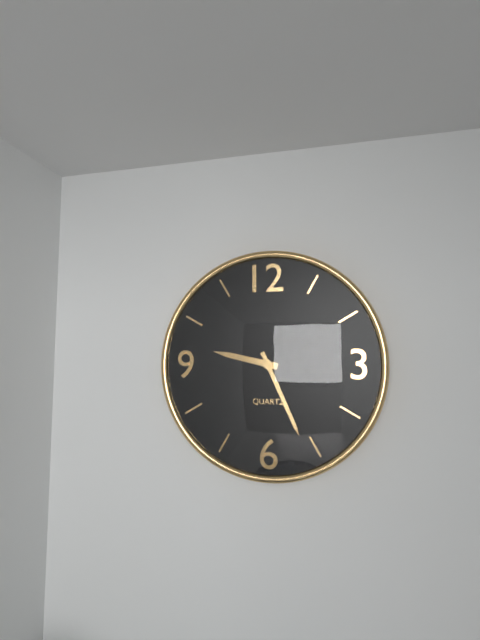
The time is 9h26
